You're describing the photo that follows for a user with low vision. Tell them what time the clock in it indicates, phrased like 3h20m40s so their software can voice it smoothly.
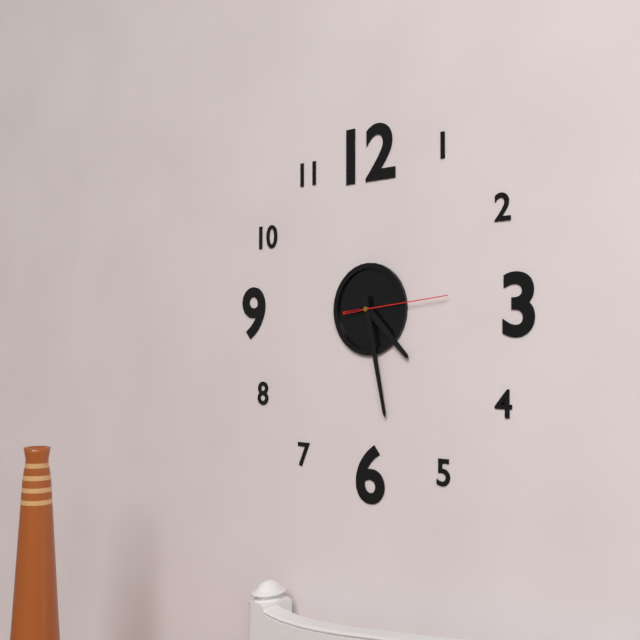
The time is 4h28m14s
